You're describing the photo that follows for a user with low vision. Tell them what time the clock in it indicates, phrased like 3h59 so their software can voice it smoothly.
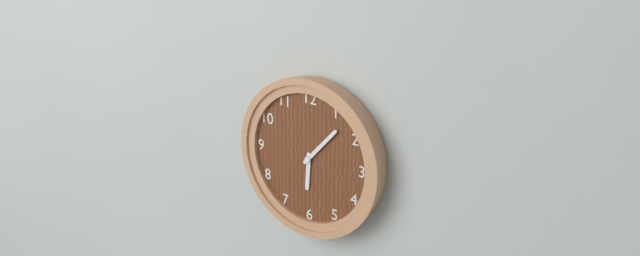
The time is 6h07
